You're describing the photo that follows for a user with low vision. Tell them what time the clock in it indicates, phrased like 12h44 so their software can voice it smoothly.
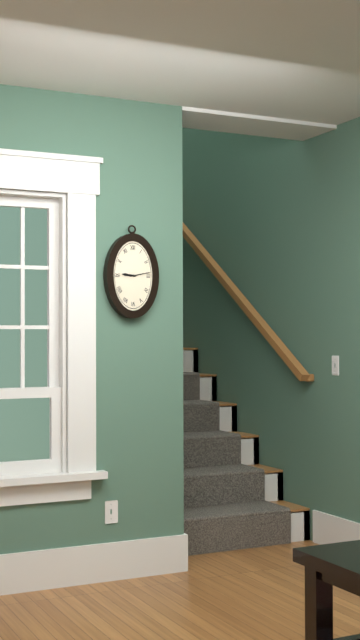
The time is 9h13
